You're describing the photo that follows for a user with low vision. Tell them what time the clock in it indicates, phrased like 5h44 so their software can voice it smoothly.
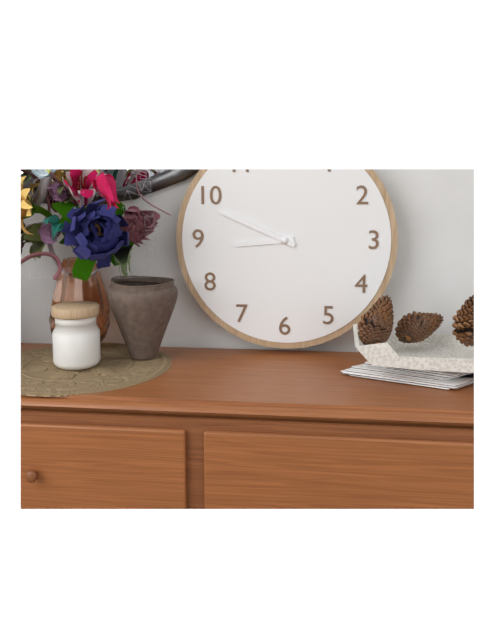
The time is 8h49
